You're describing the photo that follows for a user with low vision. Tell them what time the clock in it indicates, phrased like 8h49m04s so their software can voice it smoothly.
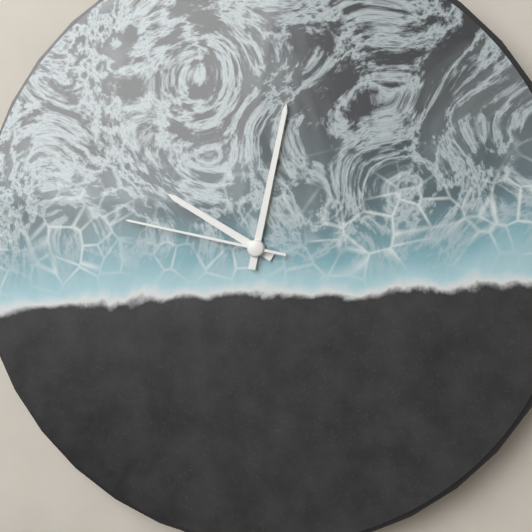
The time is 10h02m47s
